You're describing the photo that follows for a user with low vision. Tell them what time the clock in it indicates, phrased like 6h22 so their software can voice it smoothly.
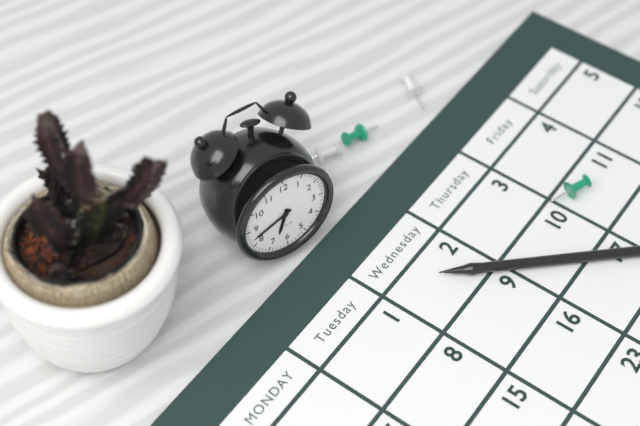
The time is 6h42
